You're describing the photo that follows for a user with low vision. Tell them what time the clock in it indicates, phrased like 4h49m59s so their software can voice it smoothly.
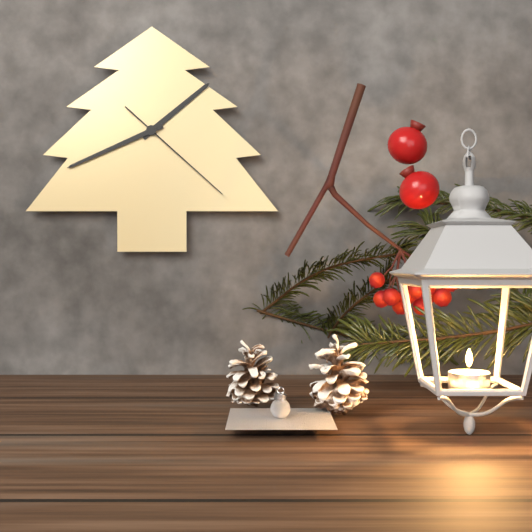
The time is 1h41m22s
